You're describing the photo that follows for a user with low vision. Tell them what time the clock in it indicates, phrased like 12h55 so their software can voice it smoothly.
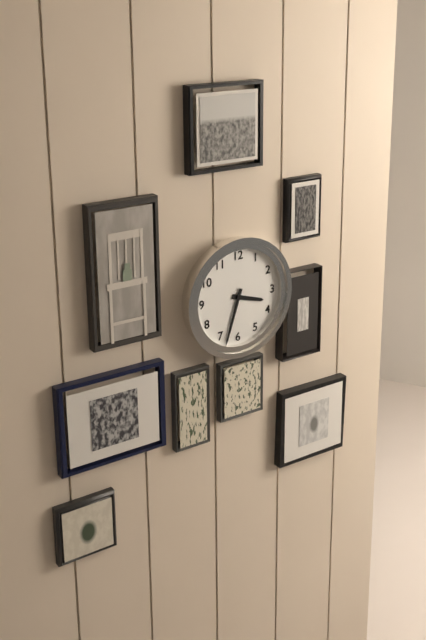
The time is 3h33
